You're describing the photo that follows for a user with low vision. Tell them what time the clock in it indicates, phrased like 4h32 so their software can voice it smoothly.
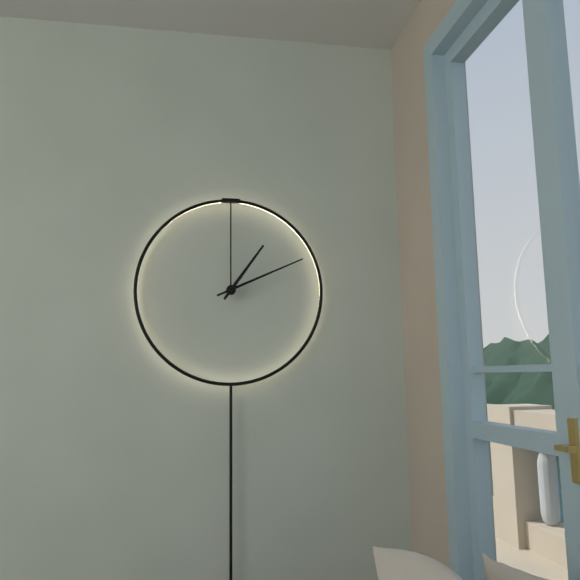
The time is 1h11
